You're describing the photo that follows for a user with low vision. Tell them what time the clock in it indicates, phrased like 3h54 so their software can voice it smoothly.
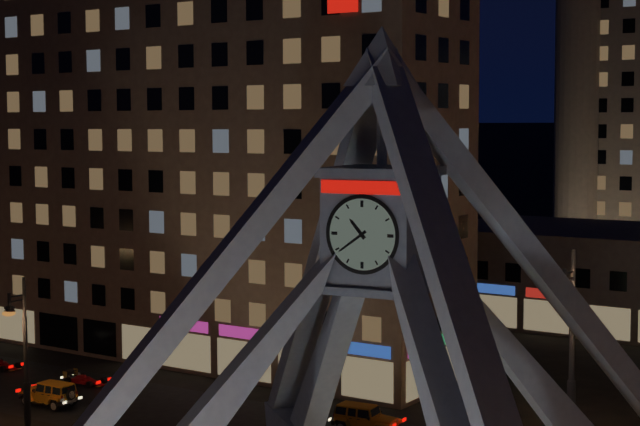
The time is 10h39
